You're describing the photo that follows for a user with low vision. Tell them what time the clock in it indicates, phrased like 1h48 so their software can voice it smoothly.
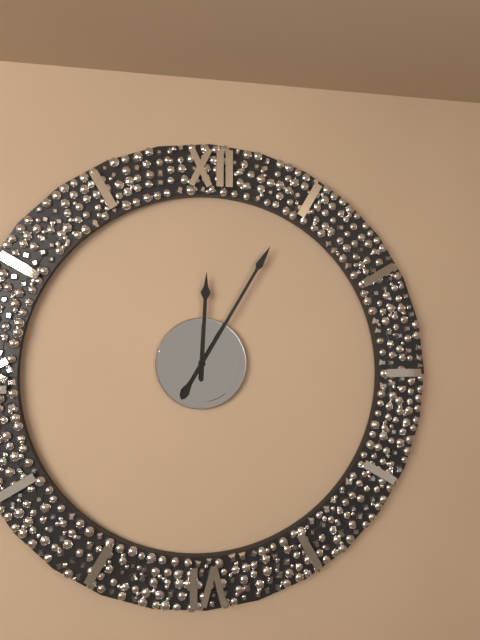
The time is 12h05
